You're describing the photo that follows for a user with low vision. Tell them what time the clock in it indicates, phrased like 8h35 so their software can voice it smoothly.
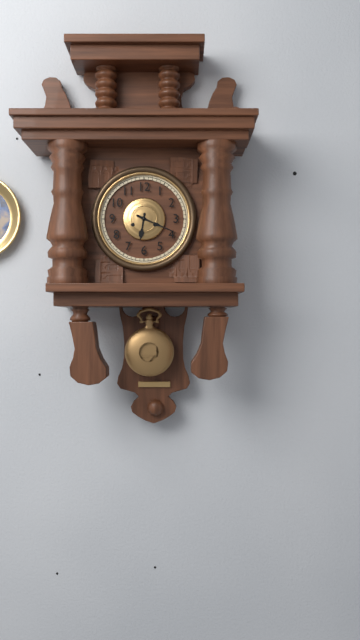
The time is 6h19
